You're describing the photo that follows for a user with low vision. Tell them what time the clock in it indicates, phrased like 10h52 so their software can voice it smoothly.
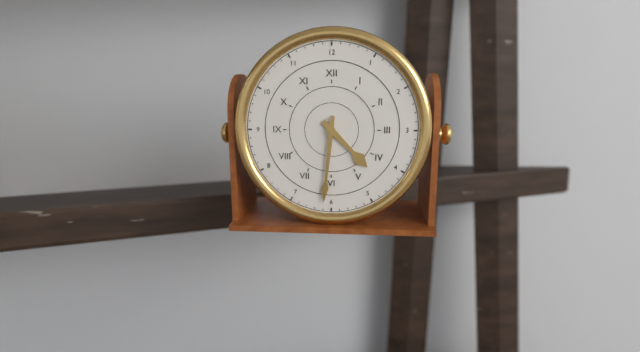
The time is 4h31
